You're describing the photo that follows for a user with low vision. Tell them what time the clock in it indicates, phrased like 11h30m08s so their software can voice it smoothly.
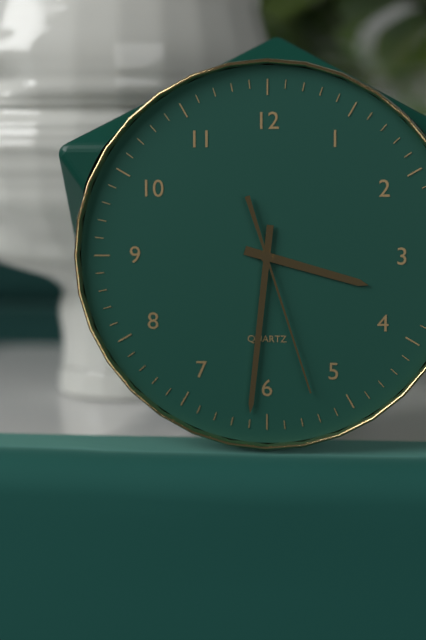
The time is 3h31m27s
